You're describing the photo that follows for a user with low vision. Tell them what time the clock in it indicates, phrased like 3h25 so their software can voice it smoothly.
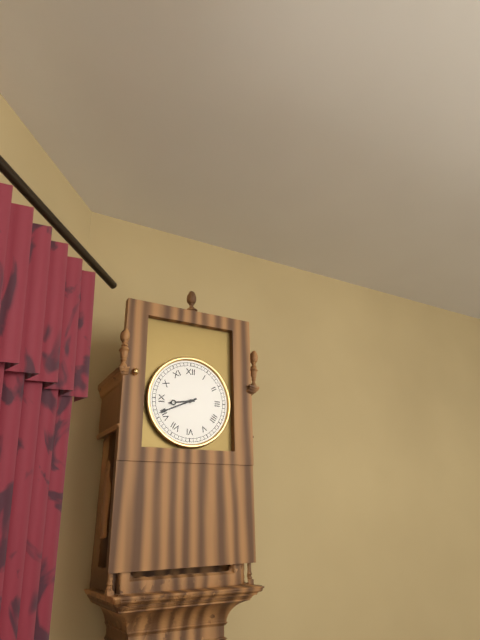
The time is 8h41
